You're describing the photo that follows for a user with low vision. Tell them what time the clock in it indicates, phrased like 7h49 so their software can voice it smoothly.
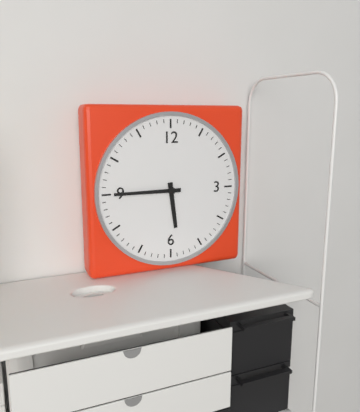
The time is 5h45
